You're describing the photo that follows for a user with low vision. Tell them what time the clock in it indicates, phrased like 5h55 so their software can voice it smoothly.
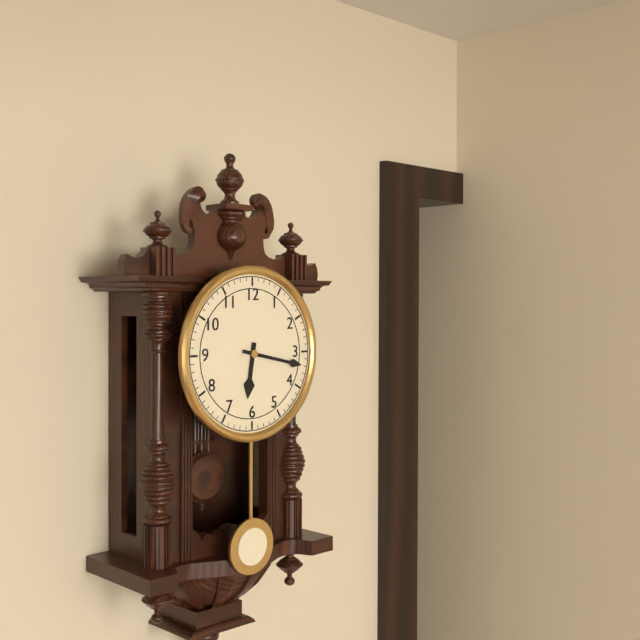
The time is 6h17
